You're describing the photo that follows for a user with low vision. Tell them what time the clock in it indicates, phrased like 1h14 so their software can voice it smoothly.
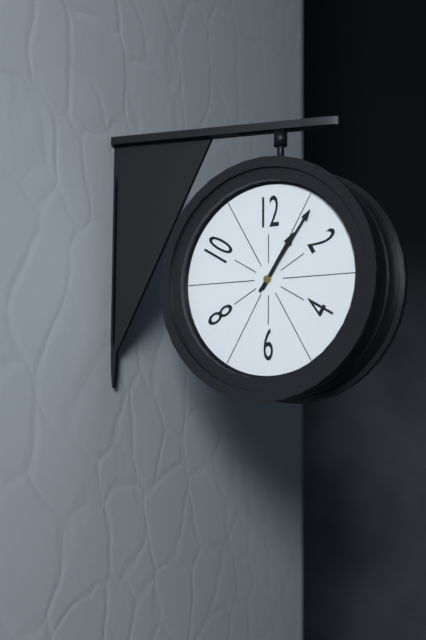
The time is 1h06
